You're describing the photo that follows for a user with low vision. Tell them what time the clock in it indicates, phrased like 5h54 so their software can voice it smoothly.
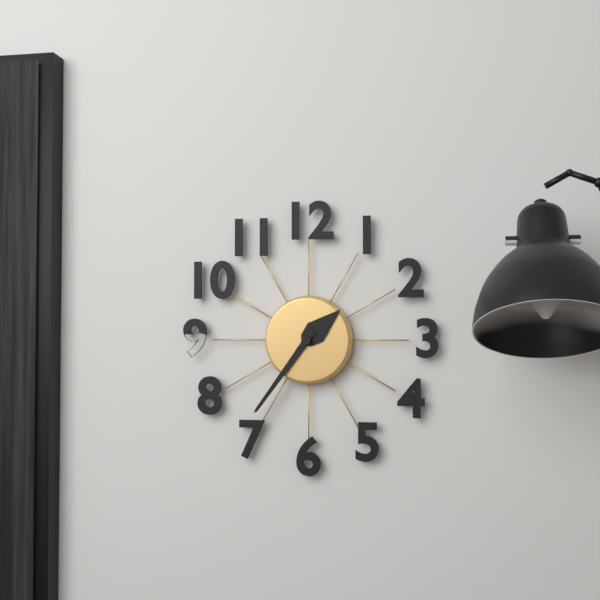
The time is 1h36
